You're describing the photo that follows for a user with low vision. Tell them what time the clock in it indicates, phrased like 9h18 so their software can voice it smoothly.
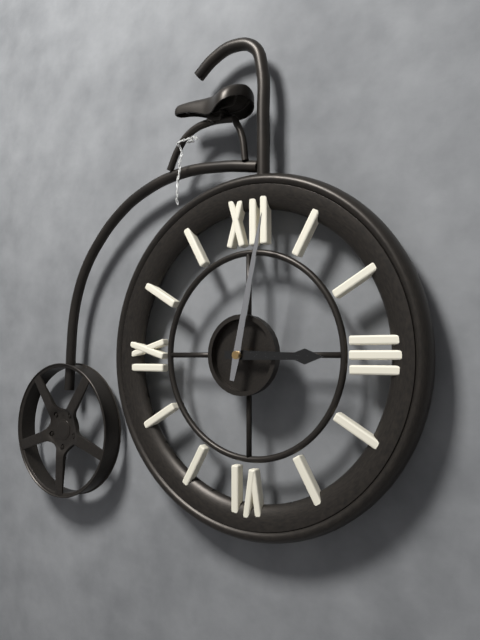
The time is 3h02
